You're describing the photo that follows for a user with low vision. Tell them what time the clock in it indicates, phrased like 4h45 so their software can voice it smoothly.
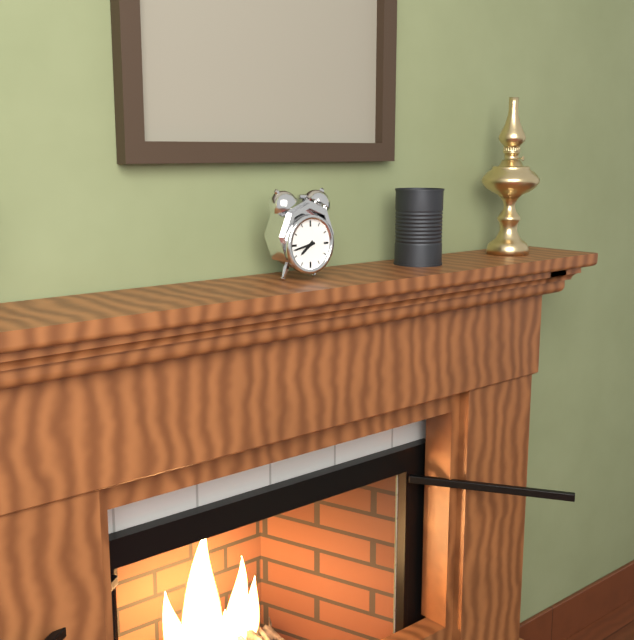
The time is 7h43
